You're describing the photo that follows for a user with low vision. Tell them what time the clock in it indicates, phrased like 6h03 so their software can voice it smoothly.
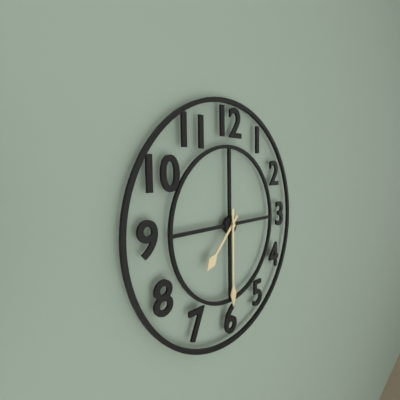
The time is 7h30
